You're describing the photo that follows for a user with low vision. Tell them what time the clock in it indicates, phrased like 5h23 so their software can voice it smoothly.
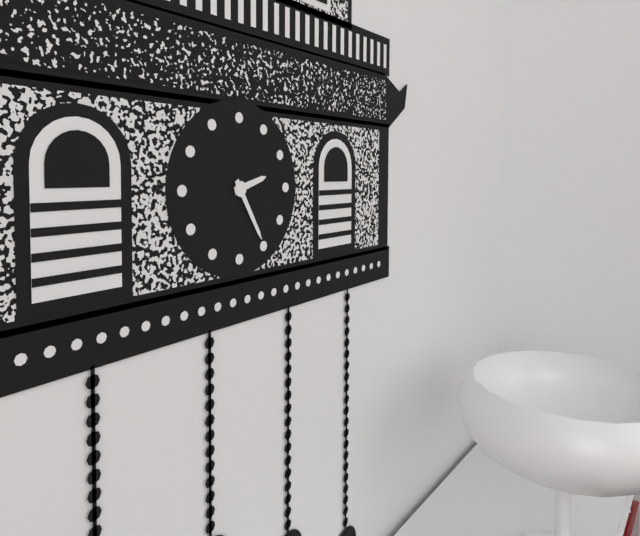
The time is 2h25
